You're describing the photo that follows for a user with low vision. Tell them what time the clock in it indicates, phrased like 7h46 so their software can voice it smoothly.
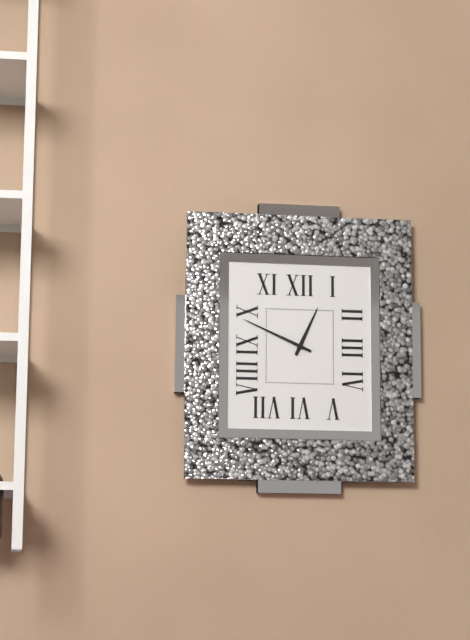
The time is 12h49
